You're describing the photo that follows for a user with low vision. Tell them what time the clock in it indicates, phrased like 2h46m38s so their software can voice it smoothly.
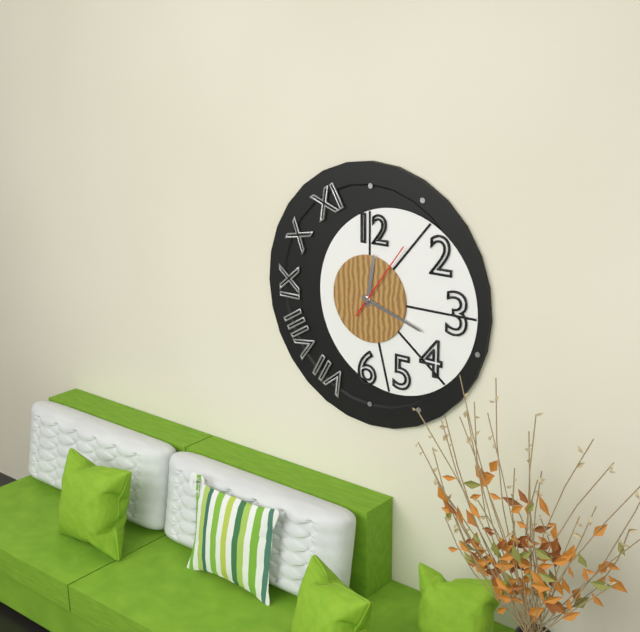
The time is 12h18m06s
